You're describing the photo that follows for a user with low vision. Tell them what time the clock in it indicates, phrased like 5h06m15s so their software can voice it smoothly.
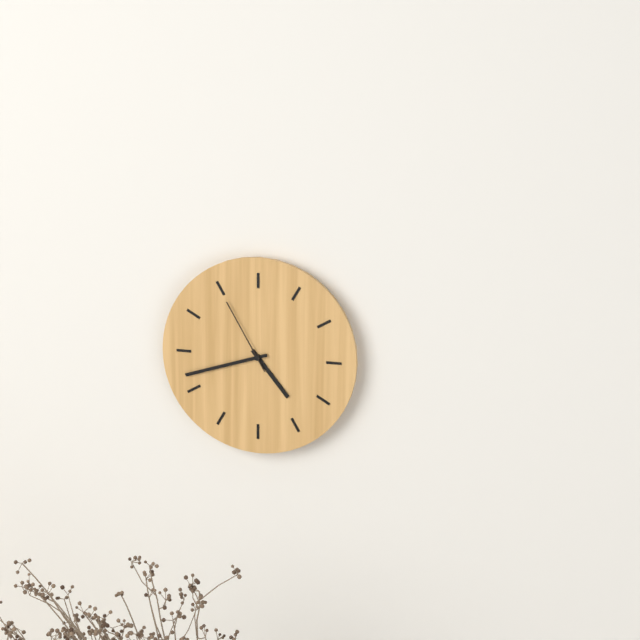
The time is 4h42m55s
